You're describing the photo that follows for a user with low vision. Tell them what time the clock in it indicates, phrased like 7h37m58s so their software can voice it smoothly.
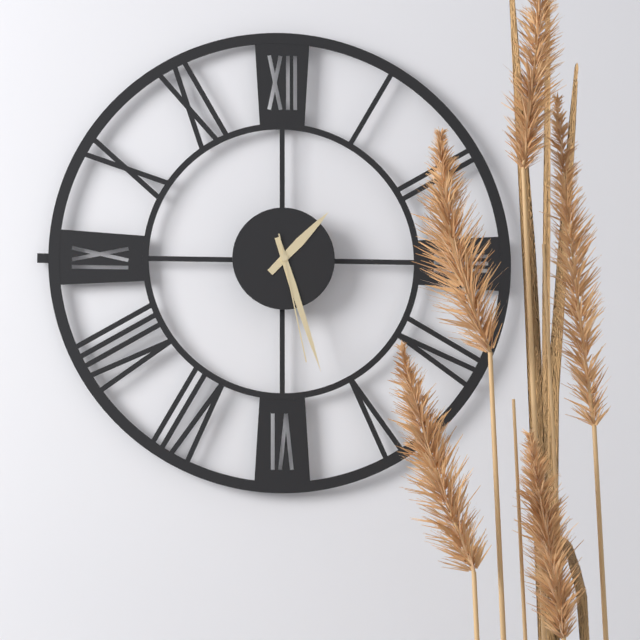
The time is 1h27m28s
